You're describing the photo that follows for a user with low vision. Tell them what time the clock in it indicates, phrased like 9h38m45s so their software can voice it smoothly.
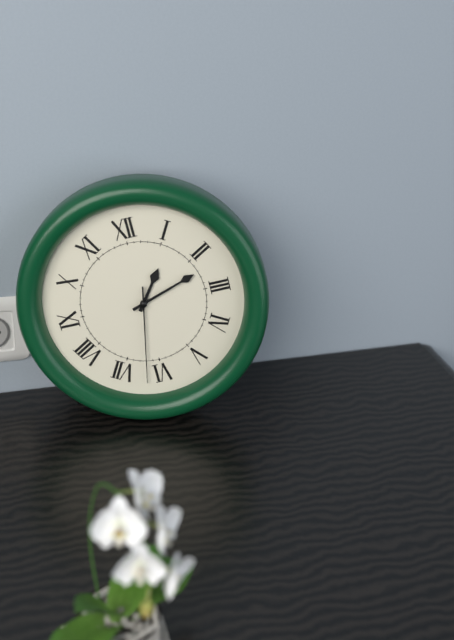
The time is 1h12m32s
